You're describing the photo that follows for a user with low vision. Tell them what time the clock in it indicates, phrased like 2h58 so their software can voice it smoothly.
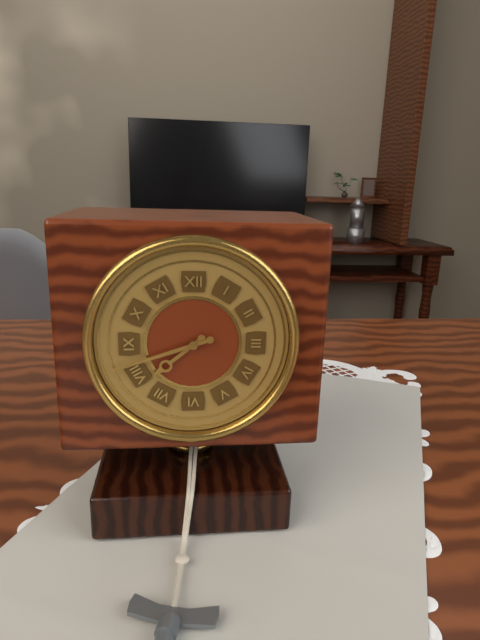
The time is 7h42
